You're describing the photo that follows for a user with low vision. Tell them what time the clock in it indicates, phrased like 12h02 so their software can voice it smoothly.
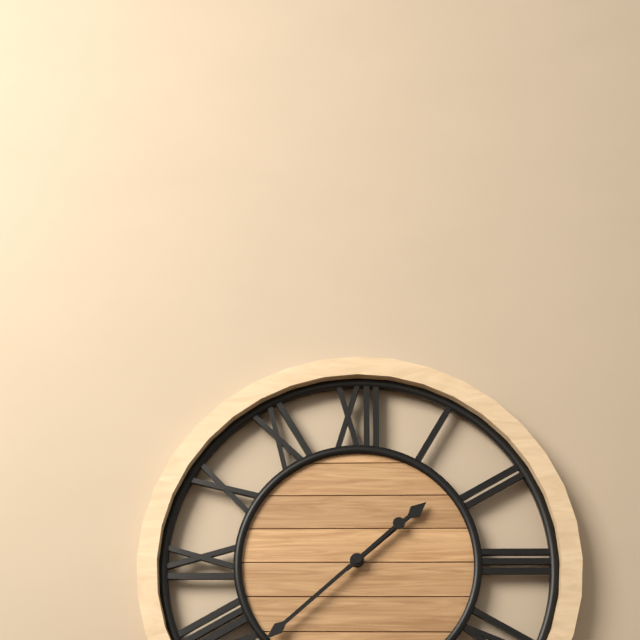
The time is 1h38
